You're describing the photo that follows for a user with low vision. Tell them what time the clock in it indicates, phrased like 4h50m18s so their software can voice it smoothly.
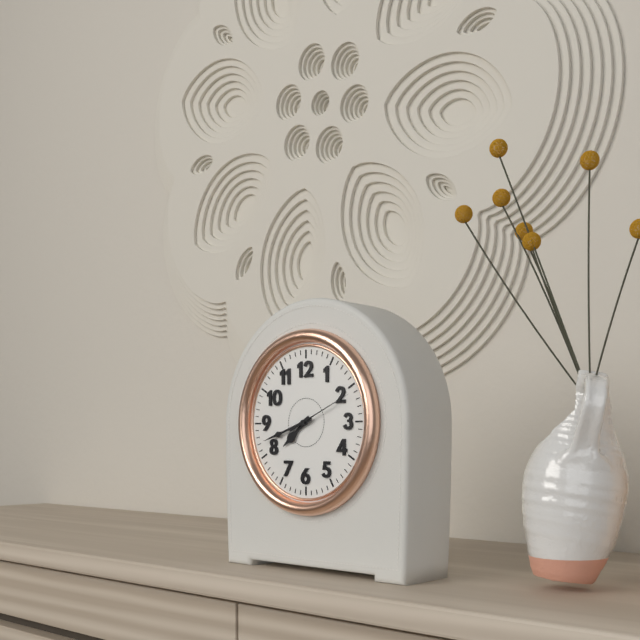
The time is 7h42m11s
